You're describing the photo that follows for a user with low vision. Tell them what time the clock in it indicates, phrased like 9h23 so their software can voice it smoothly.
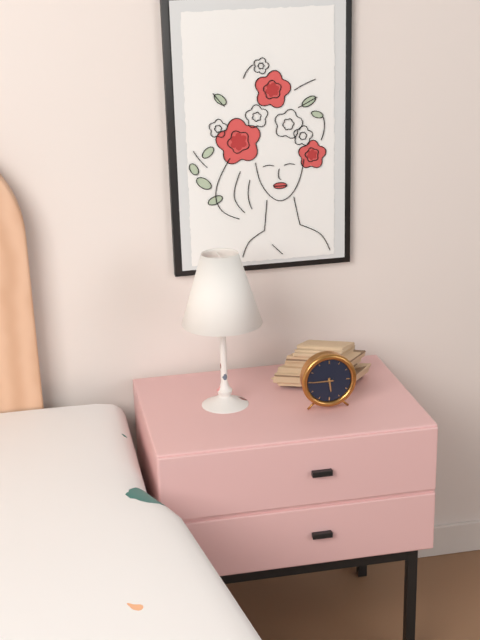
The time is 5h45
